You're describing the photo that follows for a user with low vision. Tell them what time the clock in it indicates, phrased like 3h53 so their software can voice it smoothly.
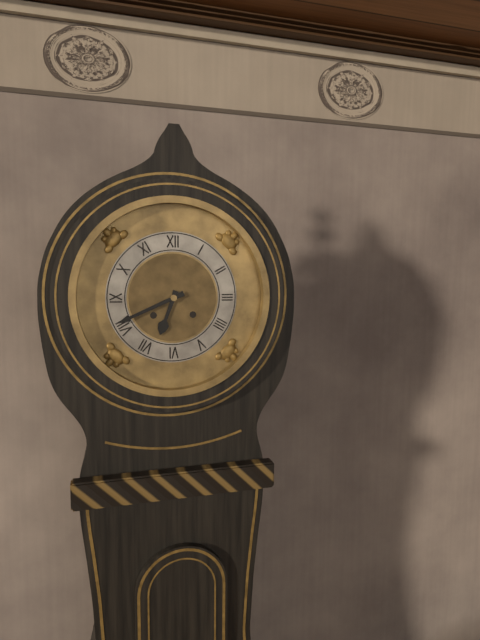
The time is 6h41
